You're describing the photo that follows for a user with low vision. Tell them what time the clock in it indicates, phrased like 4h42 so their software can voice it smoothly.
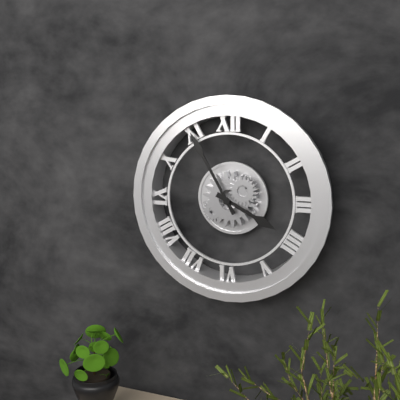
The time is 3h55
